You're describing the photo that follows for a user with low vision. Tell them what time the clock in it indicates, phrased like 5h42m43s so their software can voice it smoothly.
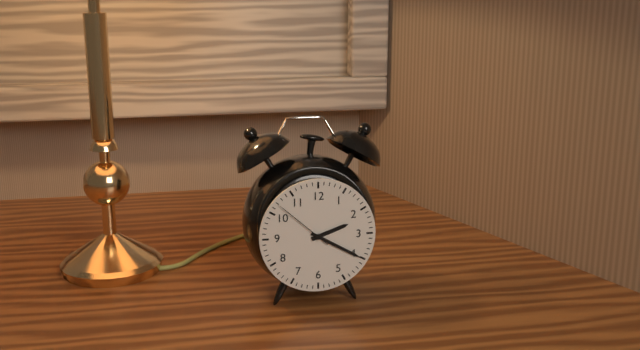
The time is 2h20m52s
